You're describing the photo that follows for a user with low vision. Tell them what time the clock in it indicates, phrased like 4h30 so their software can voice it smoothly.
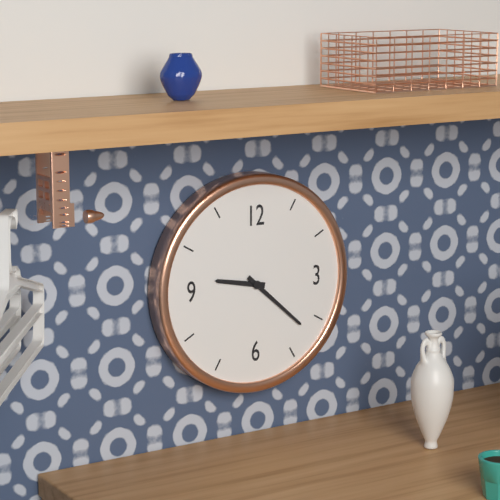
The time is 9h22
